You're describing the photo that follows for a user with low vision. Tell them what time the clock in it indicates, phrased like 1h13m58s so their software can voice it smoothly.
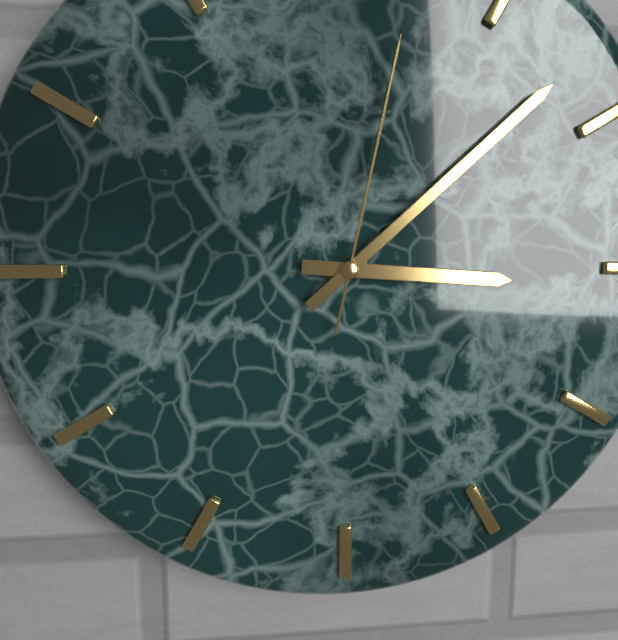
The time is 3h08m02s
